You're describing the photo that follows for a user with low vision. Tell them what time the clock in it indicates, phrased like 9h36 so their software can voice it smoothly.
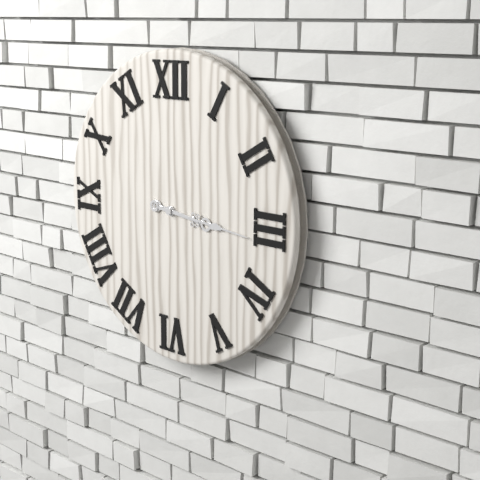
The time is 3h16
